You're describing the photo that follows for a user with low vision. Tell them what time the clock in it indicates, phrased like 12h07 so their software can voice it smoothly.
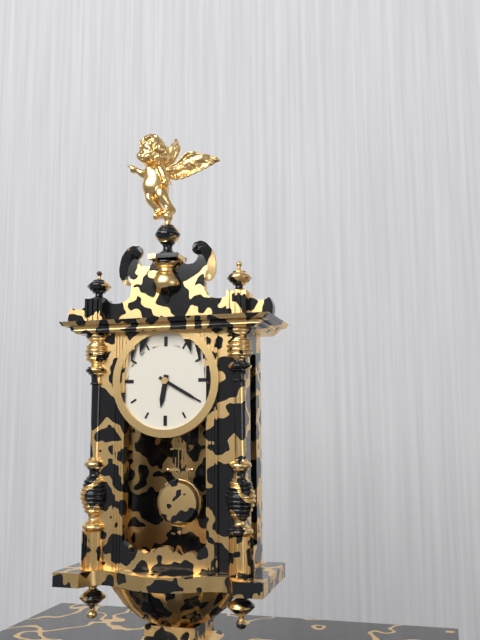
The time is 6h20
